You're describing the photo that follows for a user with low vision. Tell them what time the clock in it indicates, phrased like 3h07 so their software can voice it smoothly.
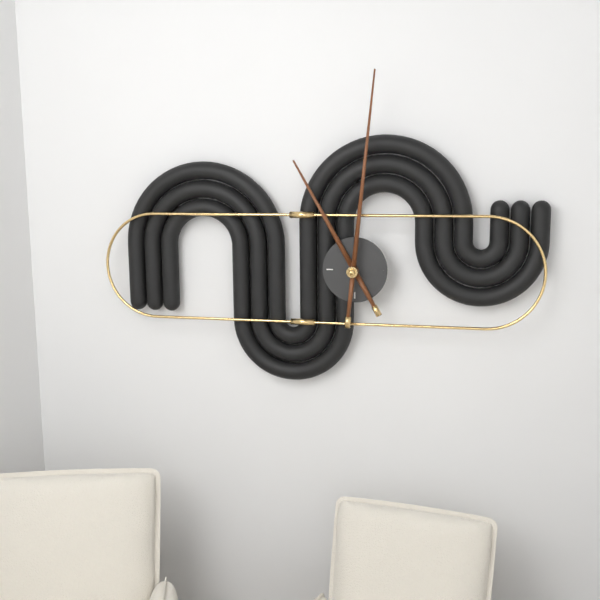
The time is 11h01
